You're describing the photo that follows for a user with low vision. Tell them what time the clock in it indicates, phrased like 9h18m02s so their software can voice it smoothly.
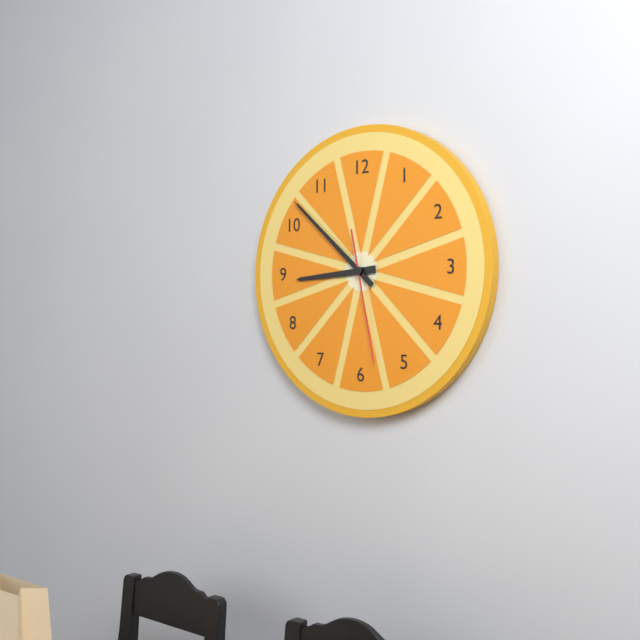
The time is 8h52m28s
